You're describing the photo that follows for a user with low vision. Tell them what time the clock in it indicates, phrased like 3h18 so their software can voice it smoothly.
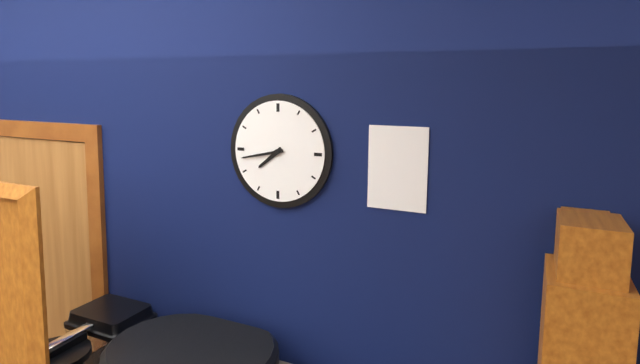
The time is 7h43
